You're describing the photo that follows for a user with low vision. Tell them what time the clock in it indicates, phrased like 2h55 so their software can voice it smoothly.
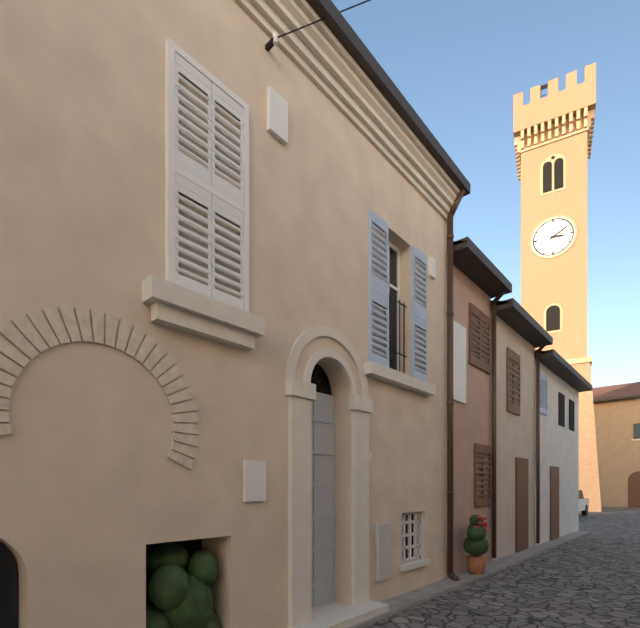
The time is 3h10
